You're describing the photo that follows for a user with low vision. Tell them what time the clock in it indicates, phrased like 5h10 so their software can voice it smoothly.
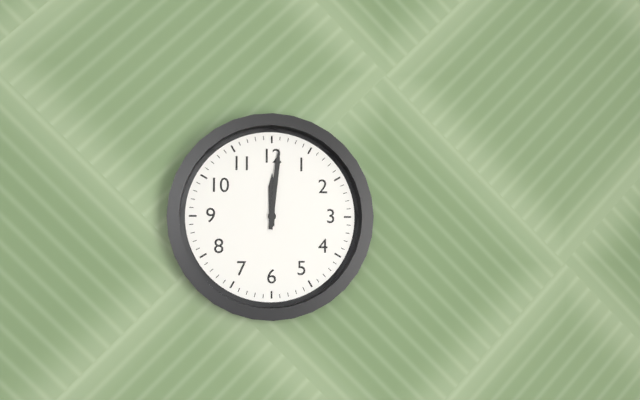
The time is 12h01
